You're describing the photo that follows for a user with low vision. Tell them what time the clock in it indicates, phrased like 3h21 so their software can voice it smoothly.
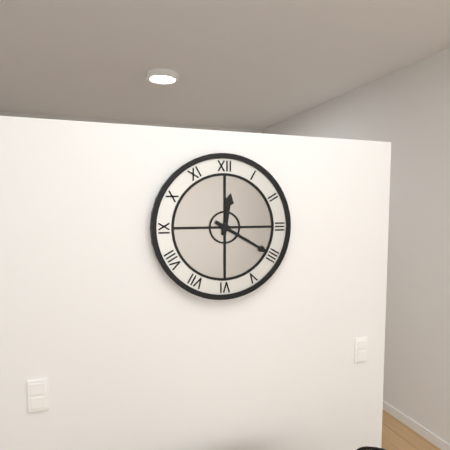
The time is 12h20
